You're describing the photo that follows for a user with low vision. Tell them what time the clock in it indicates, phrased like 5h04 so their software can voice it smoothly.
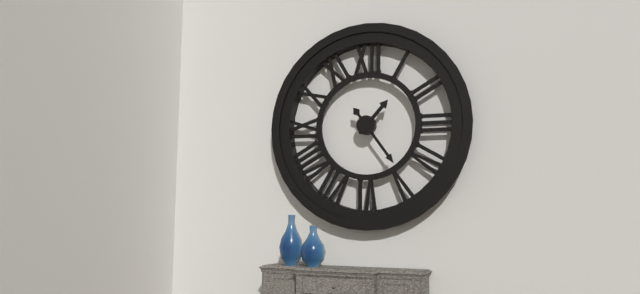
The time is 1h24
